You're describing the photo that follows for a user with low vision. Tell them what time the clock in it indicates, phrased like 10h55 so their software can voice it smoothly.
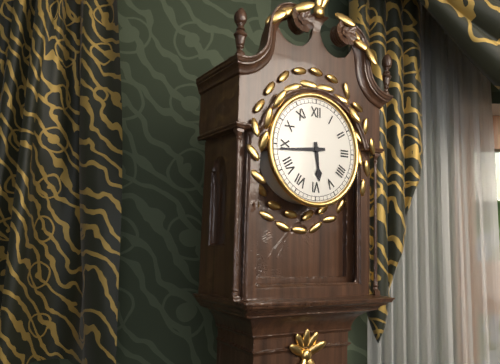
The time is 5h44
